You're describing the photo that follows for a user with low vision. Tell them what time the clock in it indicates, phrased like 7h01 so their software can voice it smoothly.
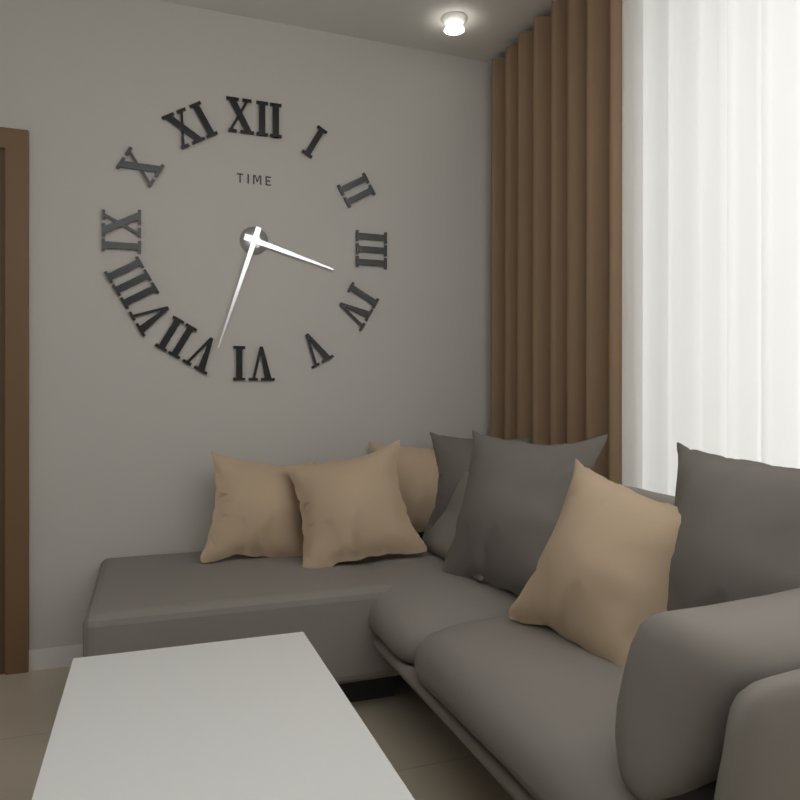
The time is 3h33
